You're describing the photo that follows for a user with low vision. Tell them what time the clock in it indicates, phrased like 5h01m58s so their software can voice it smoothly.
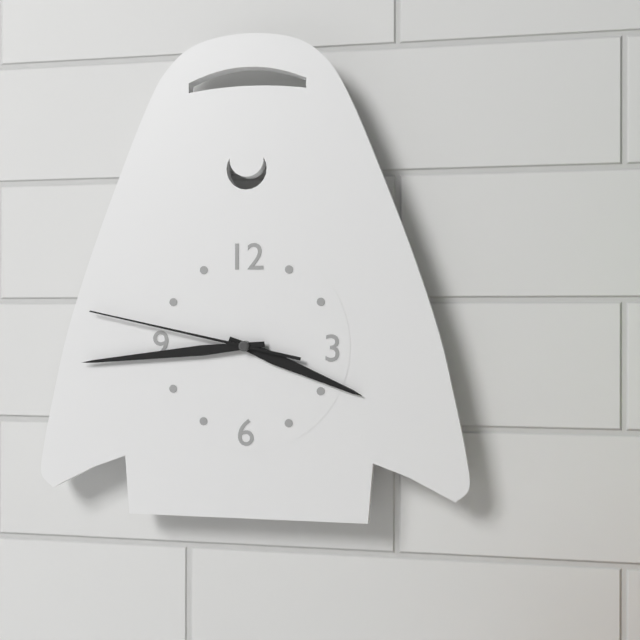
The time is 3h44m47s
